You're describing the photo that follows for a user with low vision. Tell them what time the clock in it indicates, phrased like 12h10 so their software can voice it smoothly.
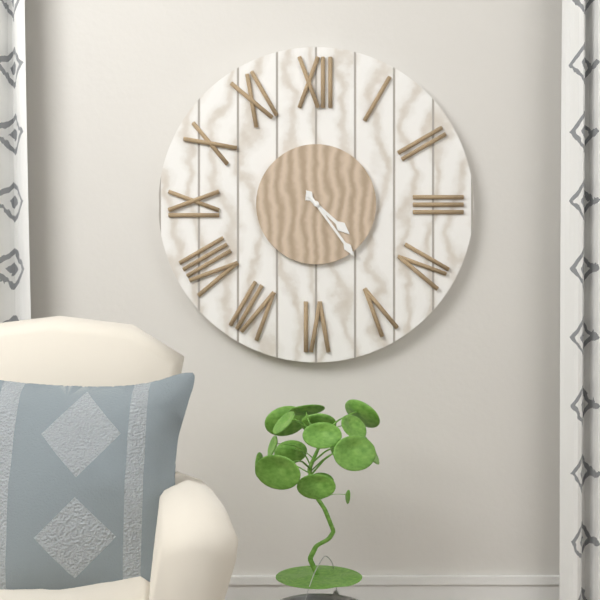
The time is 4h24
